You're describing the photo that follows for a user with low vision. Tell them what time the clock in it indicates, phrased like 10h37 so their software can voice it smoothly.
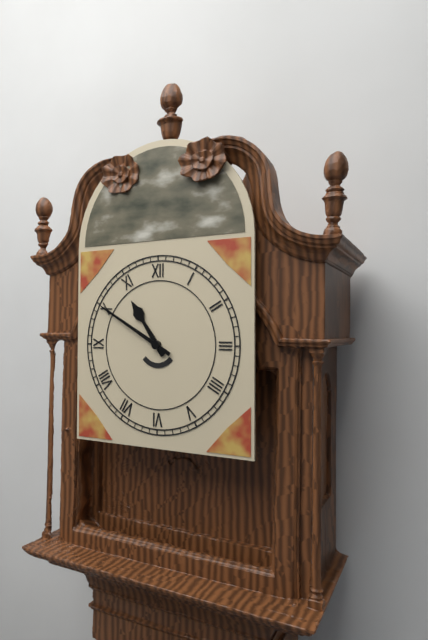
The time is 10h50
